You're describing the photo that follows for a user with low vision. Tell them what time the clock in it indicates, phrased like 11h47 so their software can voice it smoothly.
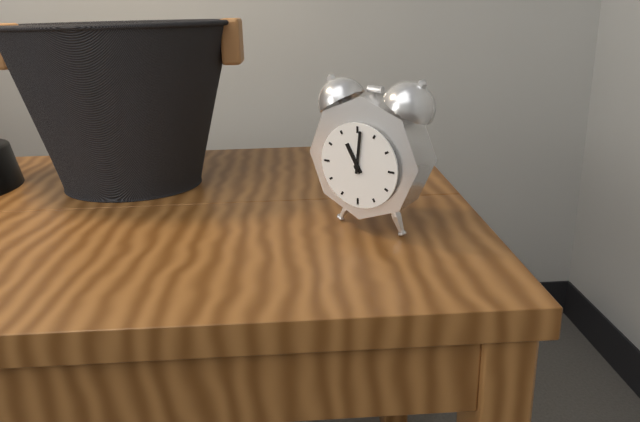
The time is 11h01
